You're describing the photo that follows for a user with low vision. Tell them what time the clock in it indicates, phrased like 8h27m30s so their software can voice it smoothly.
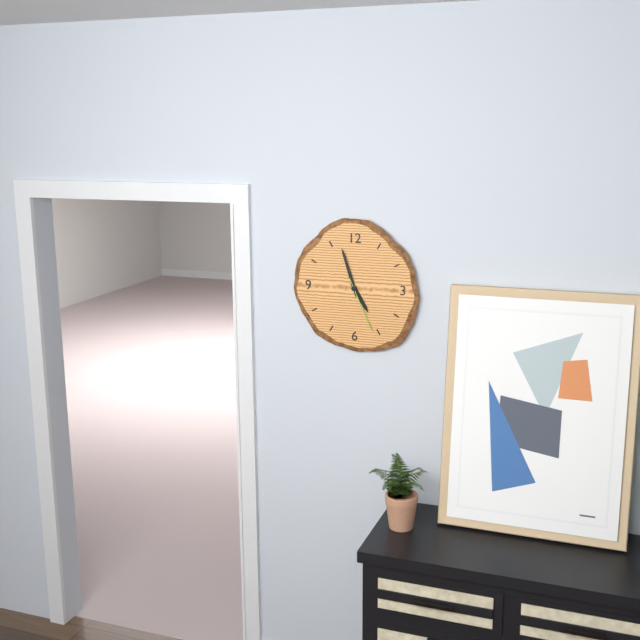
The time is 4h57m26s
